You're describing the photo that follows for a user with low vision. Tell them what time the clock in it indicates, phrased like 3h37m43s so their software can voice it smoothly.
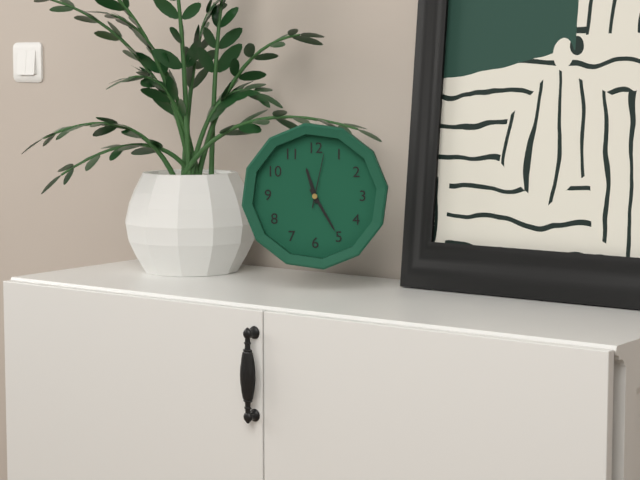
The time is 11h25m02s
